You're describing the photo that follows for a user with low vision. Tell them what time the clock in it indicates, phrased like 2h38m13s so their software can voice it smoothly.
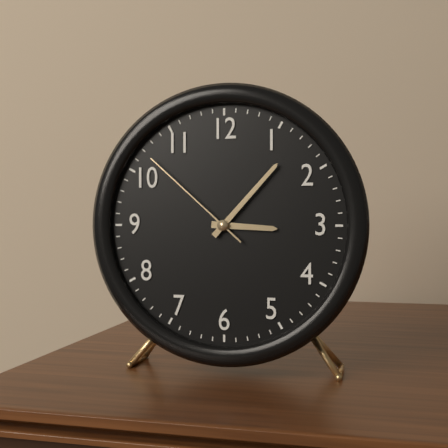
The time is 3h07m52s
